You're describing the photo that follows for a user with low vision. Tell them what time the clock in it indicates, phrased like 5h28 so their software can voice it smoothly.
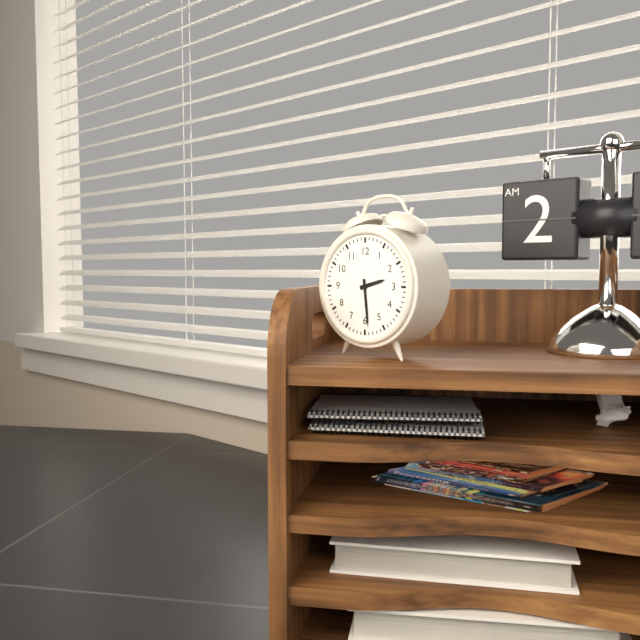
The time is 2h29
